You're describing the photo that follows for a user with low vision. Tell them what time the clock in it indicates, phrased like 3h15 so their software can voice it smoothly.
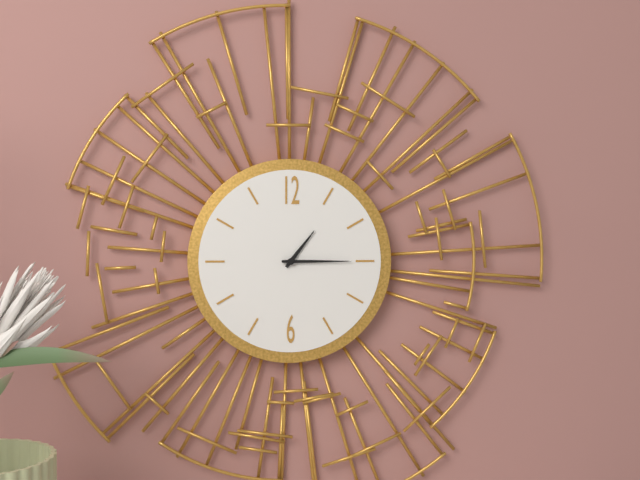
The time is 1h15
